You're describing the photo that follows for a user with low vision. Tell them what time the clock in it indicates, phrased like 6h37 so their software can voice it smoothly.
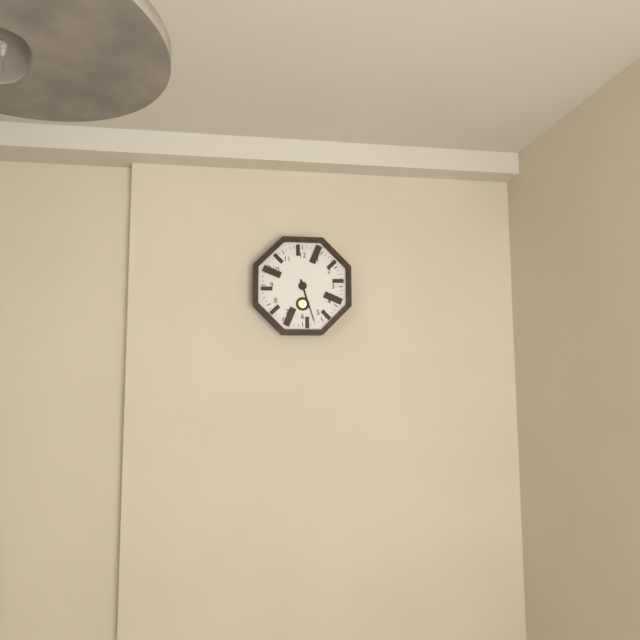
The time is 5h27
